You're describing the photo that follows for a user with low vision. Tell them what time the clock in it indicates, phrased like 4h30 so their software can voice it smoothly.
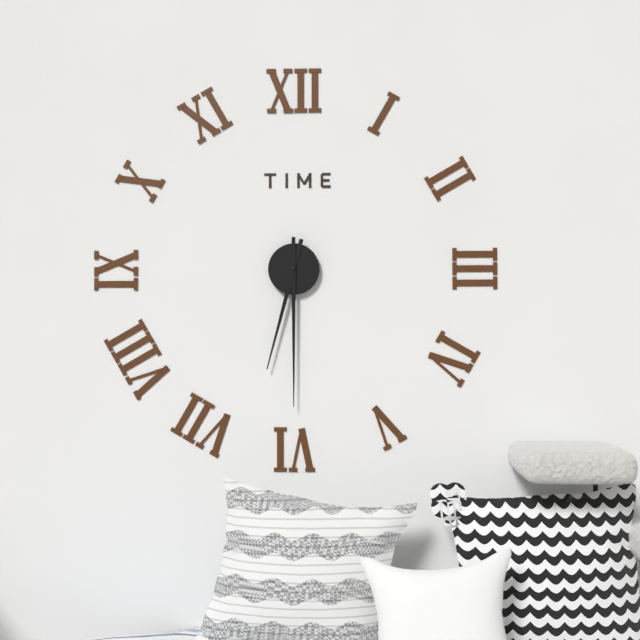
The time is 6h30
